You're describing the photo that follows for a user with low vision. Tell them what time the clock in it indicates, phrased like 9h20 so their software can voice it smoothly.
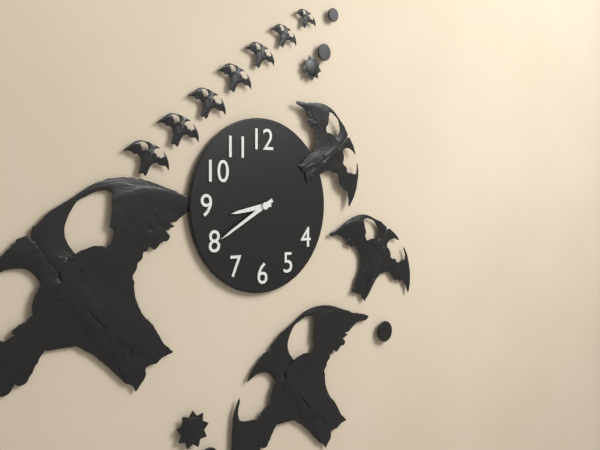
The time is 8h40
